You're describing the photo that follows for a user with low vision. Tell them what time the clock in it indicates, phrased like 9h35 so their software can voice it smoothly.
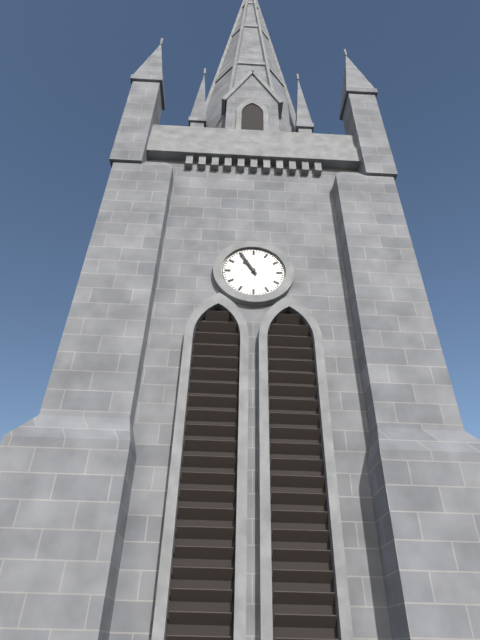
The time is 10h55
